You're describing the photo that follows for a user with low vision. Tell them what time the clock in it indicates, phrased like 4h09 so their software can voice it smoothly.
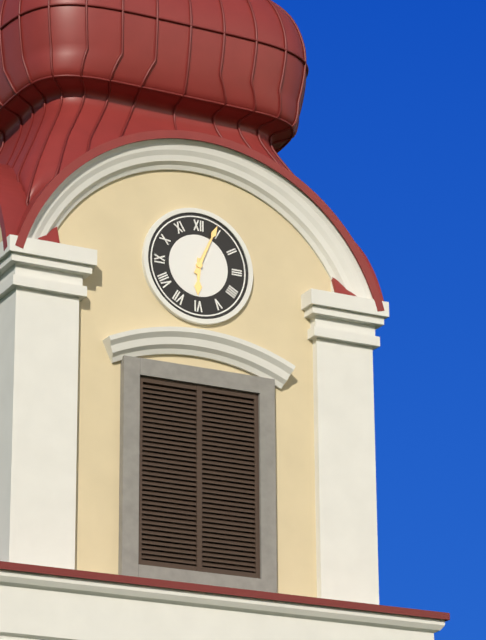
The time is 6h04
